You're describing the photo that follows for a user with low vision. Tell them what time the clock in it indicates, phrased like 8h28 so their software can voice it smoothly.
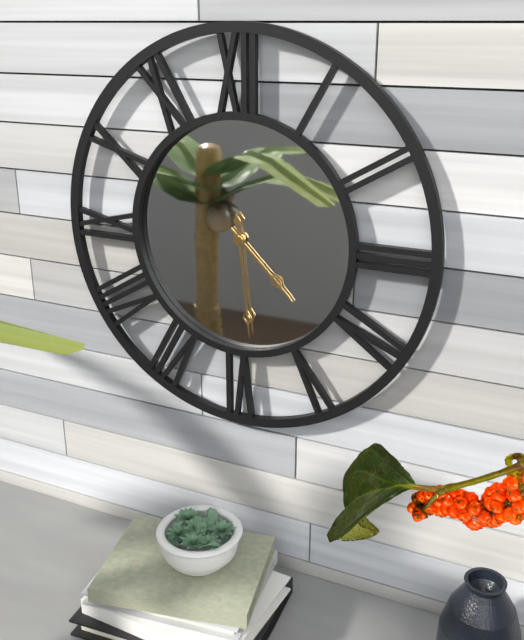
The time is 4h29
